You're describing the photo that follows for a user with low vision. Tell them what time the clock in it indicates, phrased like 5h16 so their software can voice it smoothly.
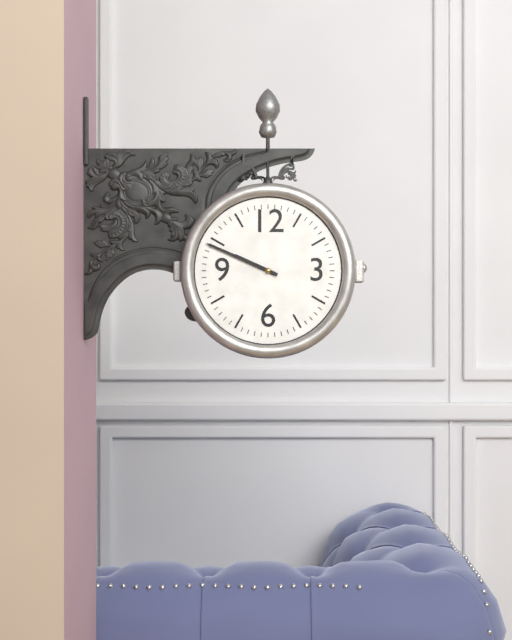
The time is 9h49
